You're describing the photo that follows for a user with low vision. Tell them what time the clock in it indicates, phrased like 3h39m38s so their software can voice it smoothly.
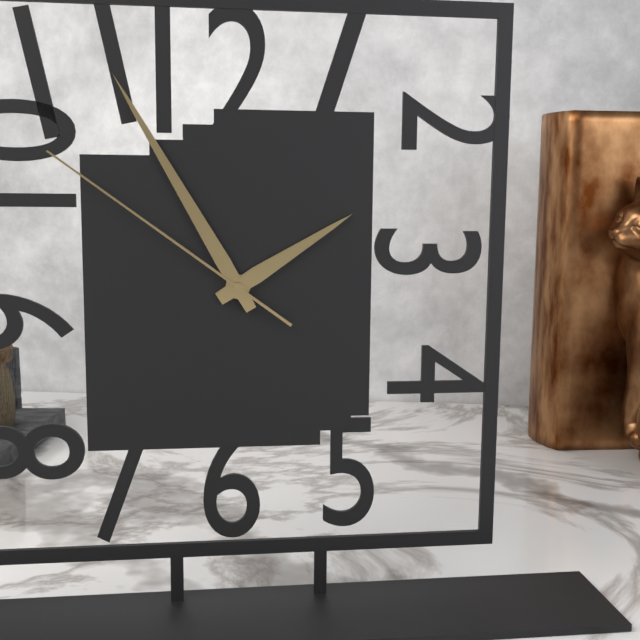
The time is 1h55m51s
